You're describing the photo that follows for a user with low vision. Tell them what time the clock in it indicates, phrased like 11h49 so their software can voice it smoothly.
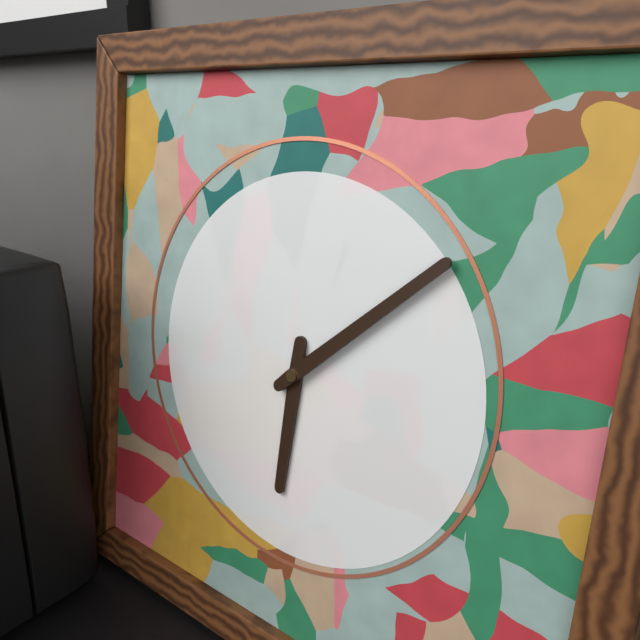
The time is 6h08
